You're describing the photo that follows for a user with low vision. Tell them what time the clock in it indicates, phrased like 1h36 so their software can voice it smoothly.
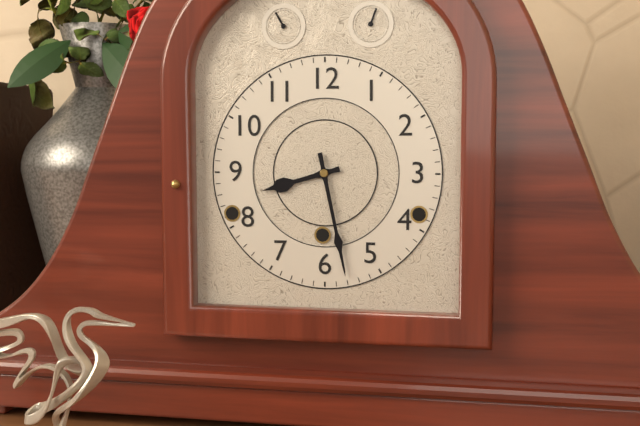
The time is 8h28
